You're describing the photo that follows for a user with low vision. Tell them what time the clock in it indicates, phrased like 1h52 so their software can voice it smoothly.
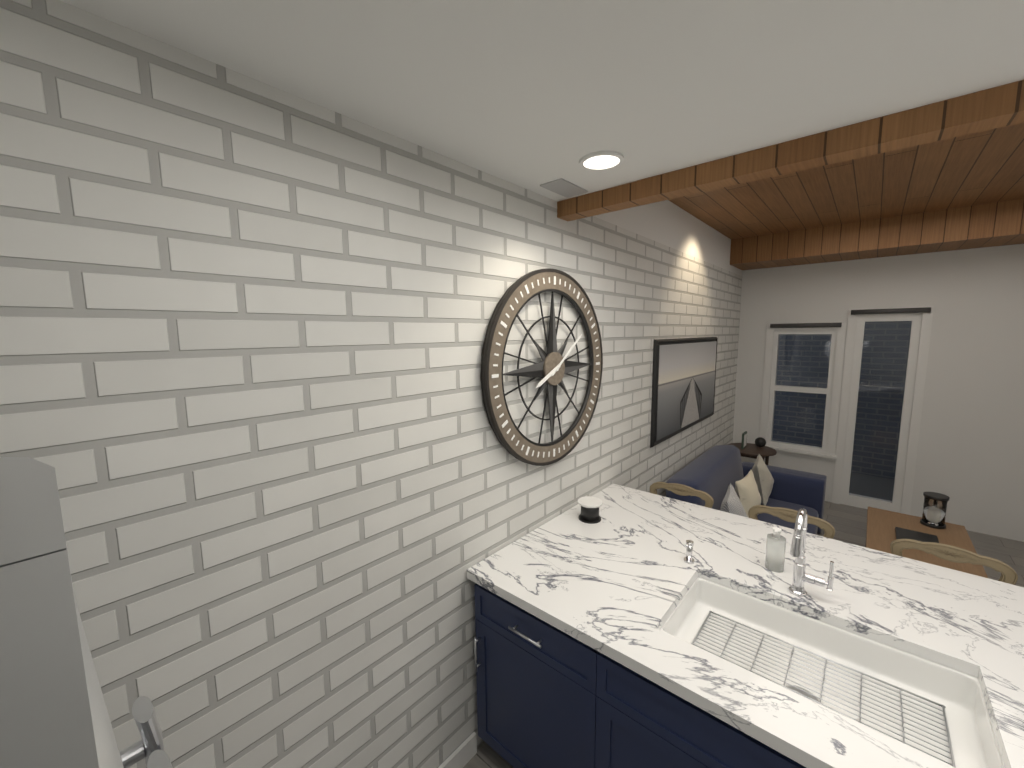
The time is 8h09
